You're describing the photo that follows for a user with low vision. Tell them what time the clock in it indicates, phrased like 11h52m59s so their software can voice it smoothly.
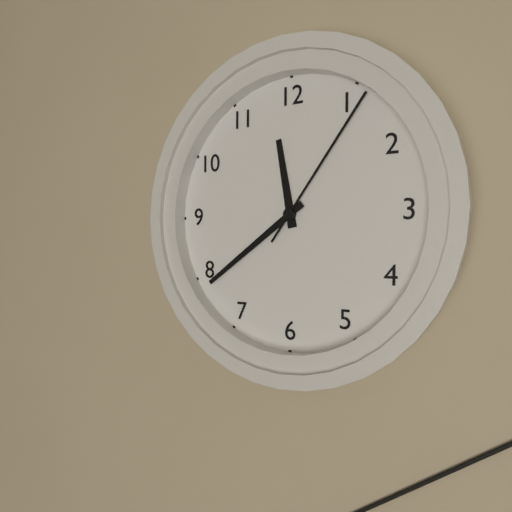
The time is 11h39m06s
